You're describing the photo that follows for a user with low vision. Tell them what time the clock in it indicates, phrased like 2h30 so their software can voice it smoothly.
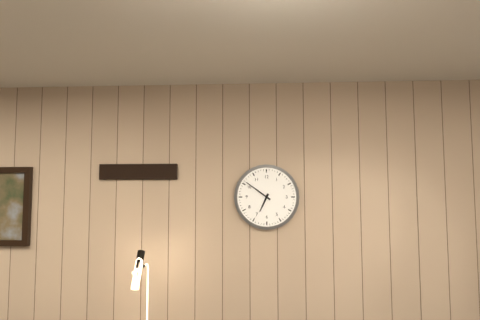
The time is 6h51
